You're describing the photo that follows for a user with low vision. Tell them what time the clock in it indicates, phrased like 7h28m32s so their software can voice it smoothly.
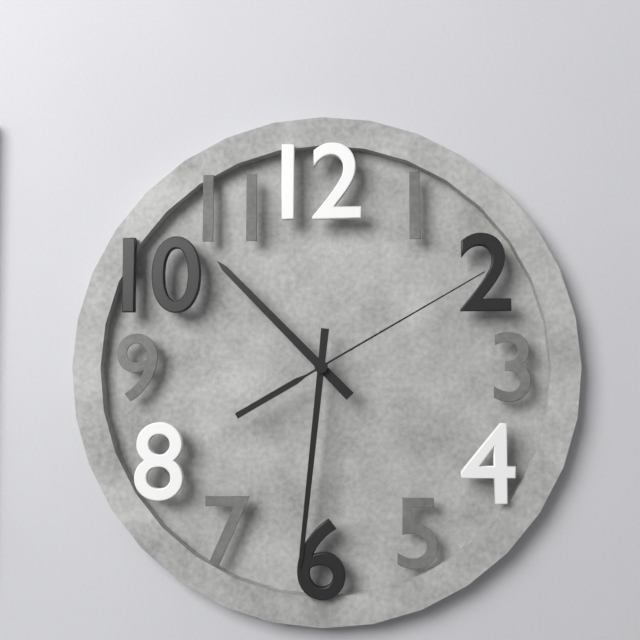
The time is 10h31m10s
